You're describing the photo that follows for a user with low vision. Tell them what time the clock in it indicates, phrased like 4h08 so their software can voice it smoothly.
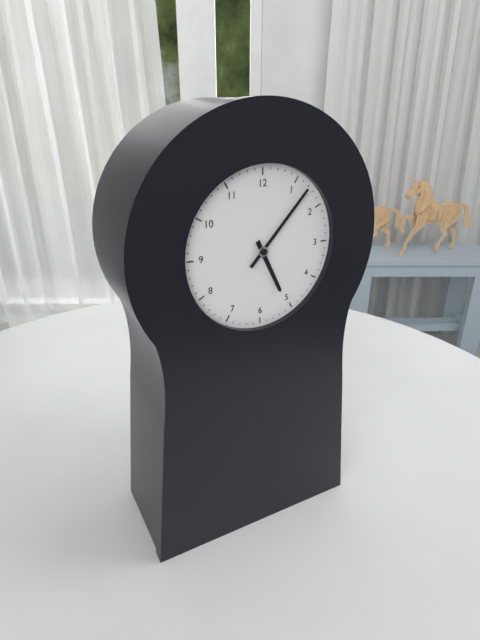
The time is 5h07
